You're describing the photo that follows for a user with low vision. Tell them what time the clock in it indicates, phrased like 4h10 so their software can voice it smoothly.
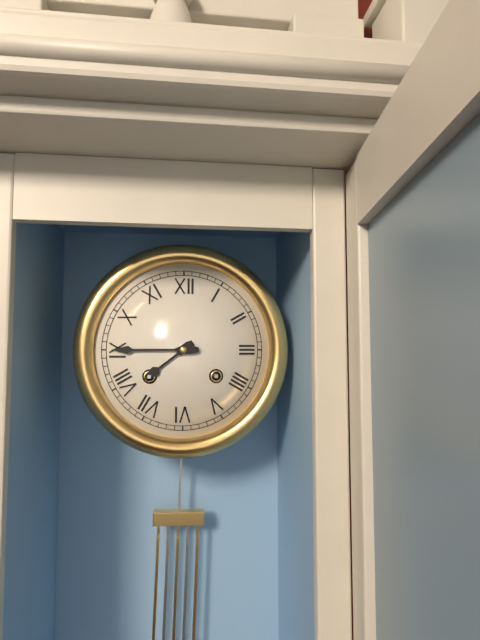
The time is 7h45
